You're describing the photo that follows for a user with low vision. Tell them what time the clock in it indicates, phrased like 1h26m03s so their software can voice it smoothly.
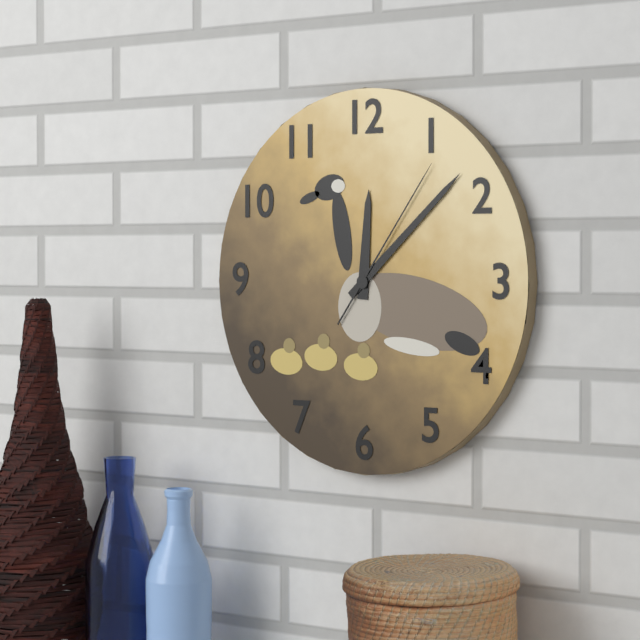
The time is 12h08m06s
